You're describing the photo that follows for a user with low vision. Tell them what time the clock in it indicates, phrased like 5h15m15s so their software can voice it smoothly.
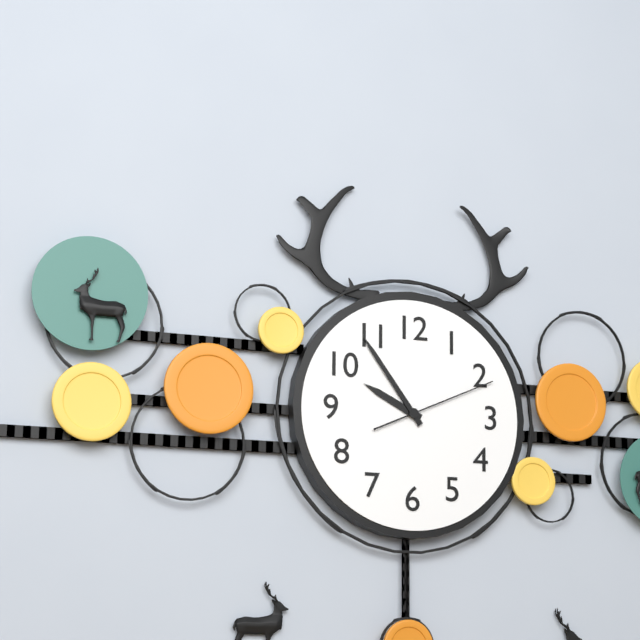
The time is 9h54m11s
